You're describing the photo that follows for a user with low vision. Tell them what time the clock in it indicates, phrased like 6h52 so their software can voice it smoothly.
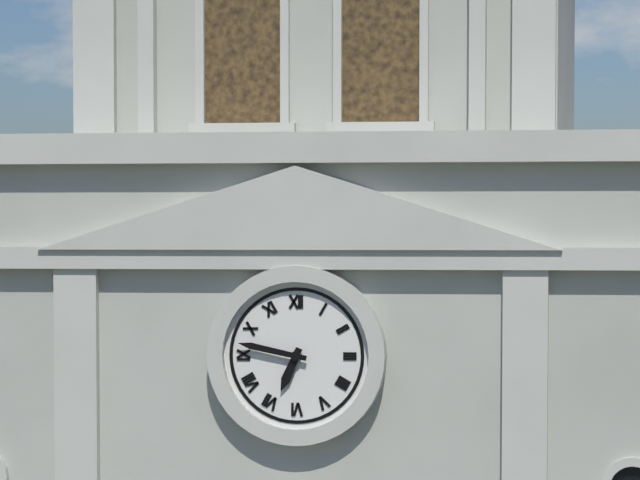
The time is 6h47
